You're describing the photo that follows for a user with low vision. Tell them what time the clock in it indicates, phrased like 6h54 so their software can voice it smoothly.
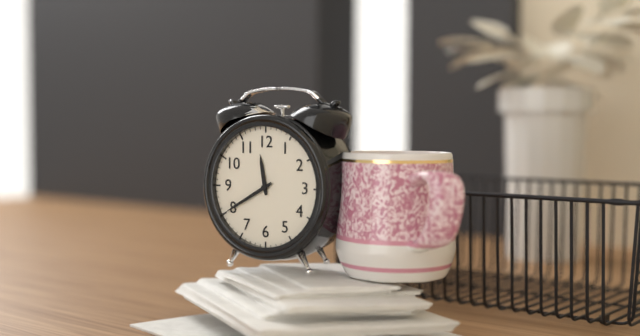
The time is 11h40
